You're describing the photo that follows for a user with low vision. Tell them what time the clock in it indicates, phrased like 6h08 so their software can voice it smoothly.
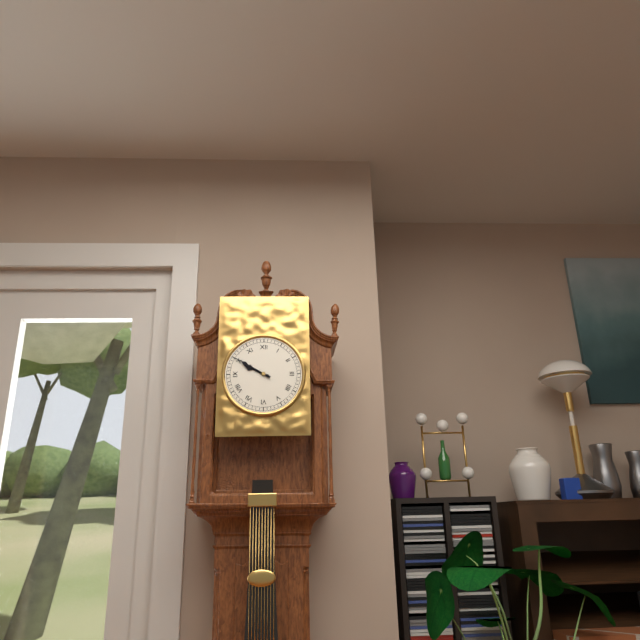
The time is 9h50
